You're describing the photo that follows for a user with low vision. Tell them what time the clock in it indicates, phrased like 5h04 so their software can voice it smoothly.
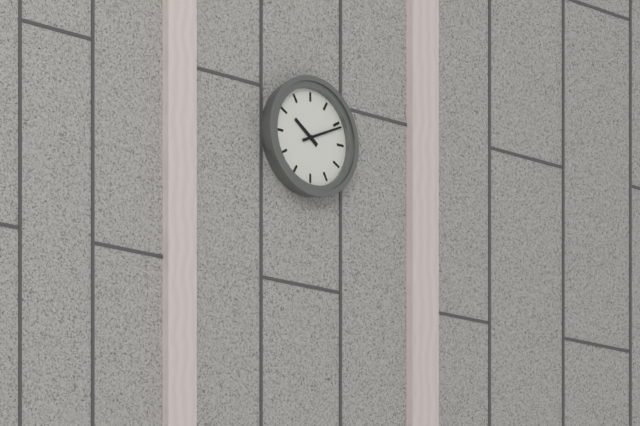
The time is 10h11
